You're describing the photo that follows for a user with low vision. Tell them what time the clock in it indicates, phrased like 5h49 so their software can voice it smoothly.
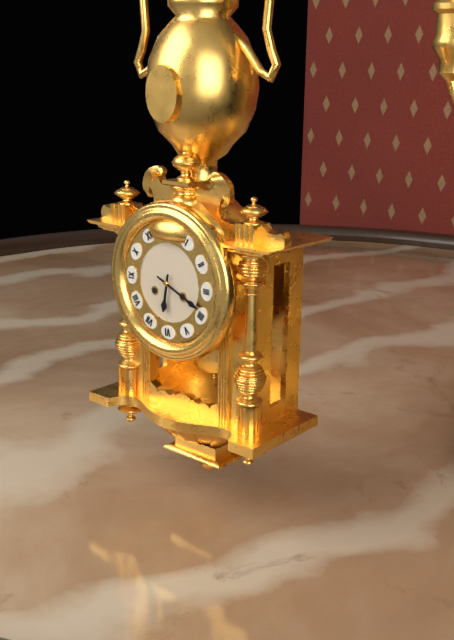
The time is 6h19
